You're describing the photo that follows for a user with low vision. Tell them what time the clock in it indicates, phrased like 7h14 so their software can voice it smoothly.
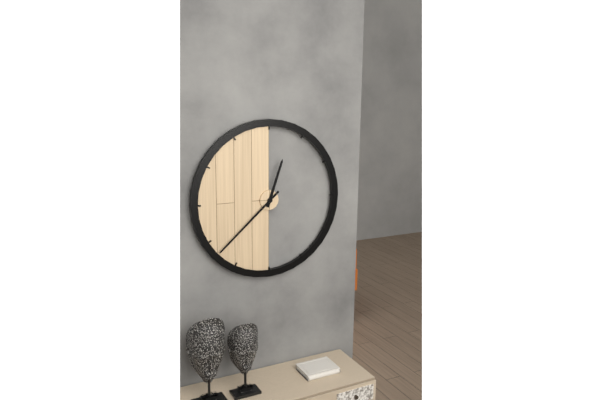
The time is 12h38
